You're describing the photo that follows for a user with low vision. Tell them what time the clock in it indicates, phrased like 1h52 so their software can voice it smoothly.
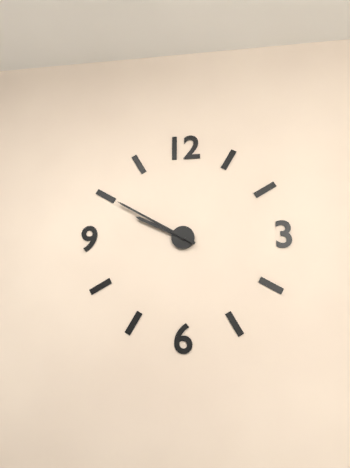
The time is 9h50
